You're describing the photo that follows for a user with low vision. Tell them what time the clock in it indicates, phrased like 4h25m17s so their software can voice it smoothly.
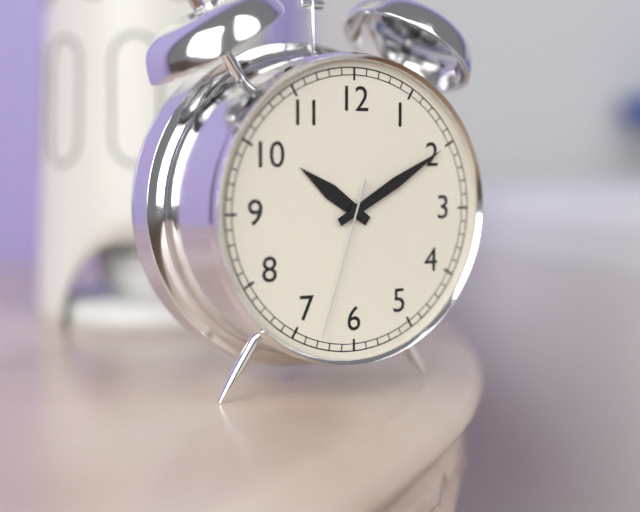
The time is 10h10m33s
